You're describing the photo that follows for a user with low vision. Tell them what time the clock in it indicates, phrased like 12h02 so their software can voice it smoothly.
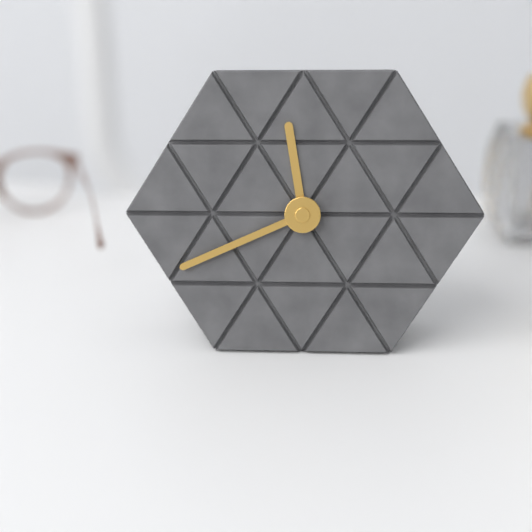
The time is 11h41
